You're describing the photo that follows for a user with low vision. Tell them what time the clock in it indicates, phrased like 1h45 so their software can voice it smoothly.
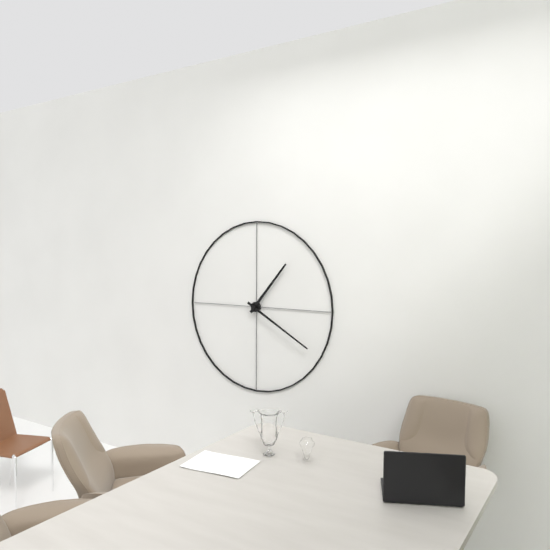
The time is 1h20
